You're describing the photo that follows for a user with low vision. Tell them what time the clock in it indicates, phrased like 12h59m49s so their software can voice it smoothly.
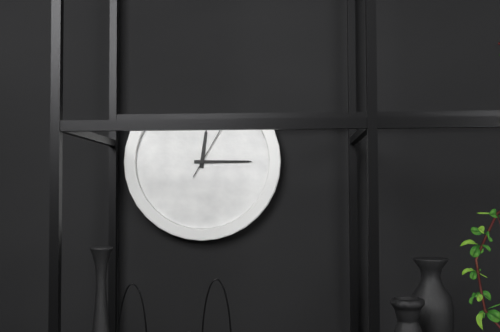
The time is 12h15m05s
